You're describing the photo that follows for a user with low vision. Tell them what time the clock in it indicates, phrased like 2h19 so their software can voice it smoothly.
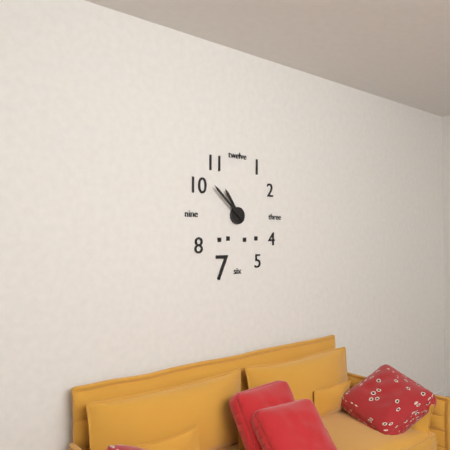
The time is 10h52
